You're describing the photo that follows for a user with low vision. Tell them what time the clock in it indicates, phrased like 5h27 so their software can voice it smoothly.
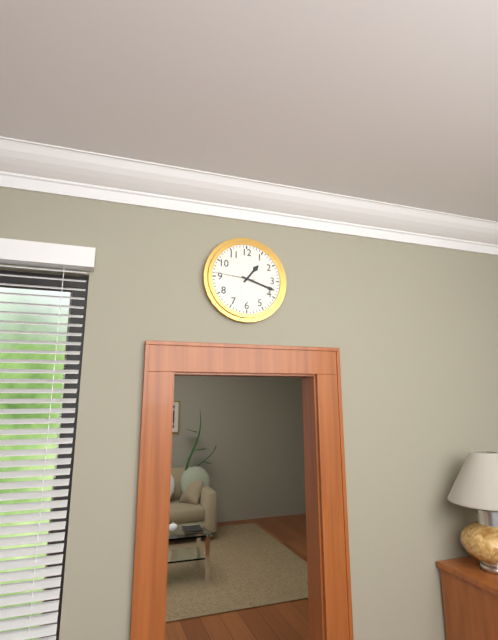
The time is 1h18
